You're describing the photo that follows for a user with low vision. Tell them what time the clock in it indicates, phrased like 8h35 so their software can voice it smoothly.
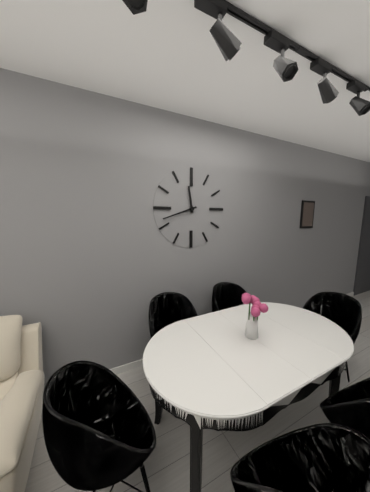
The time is 11h42
